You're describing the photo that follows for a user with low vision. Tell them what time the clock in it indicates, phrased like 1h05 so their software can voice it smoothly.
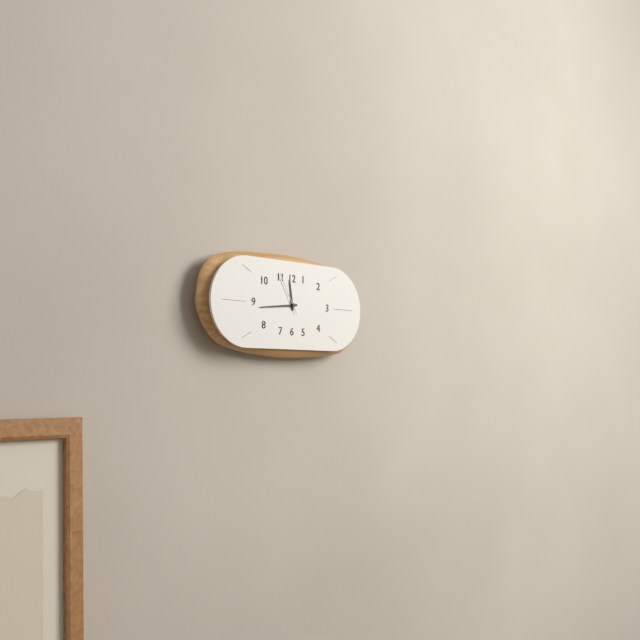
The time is 11h44
